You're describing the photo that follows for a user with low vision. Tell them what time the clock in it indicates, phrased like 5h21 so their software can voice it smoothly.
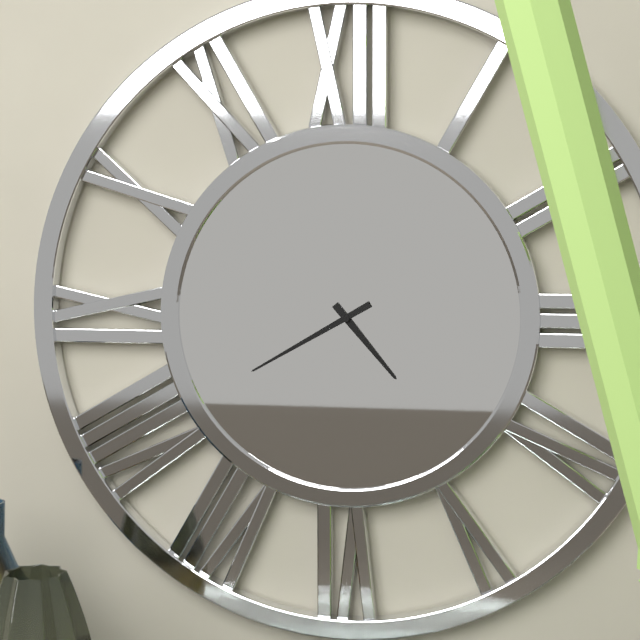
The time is 4h40
